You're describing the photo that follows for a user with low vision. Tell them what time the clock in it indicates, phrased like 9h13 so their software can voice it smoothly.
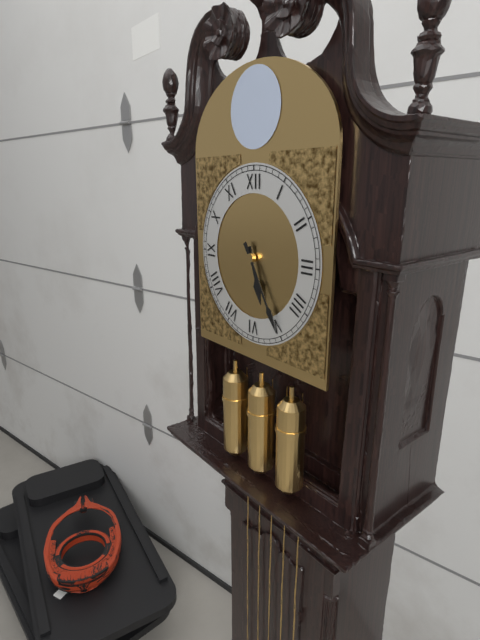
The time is 5h25
